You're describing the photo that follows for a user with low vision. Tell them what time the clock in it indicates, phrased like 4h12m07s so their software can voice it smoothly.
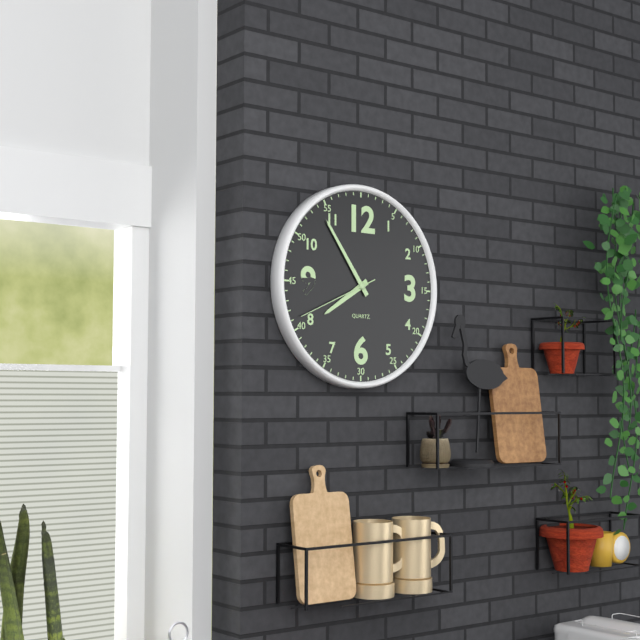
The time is 7h54m41s
